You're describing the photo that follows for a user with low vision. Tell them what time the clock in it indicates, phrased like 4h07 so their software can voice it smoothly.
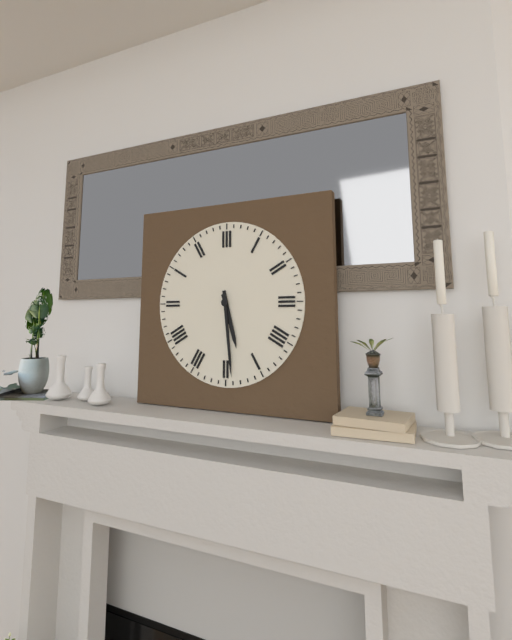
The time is 5h29
